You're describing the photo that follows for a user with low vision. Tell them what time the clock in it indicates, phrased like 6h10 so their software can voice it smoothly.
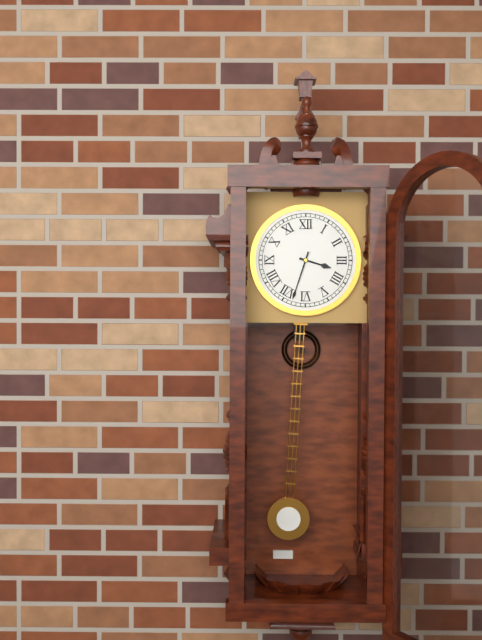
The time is 3h33
